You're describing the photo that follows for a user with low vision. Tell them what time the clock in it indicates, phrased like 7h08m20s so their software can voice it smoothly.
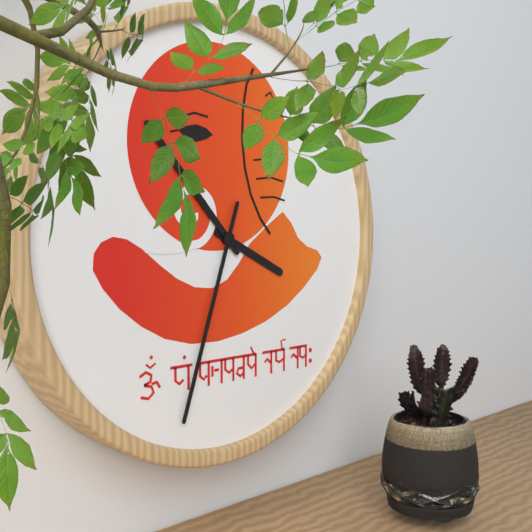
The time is 3h53m33s
